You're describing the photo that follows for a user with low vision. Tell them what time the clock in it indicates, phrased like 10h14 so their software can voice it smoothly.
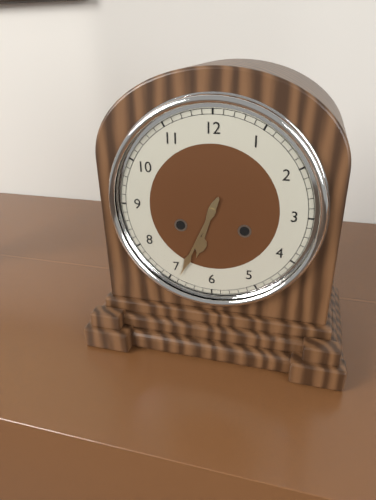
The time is 6h34
